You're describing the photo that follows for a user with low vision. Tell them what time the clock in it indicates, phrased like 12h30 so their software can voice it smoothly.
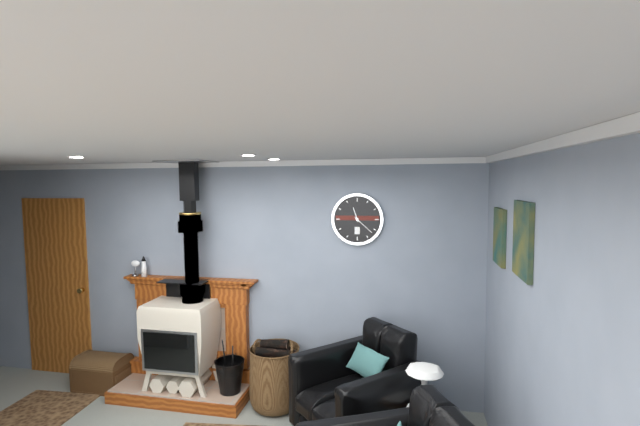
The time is 11h22
